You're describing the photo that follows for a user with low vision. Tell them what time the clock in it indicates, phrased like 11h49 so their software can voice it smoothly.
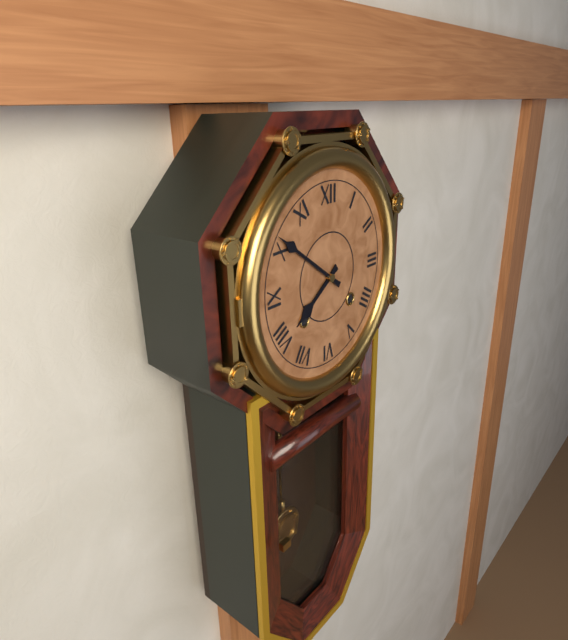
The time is 7h51
